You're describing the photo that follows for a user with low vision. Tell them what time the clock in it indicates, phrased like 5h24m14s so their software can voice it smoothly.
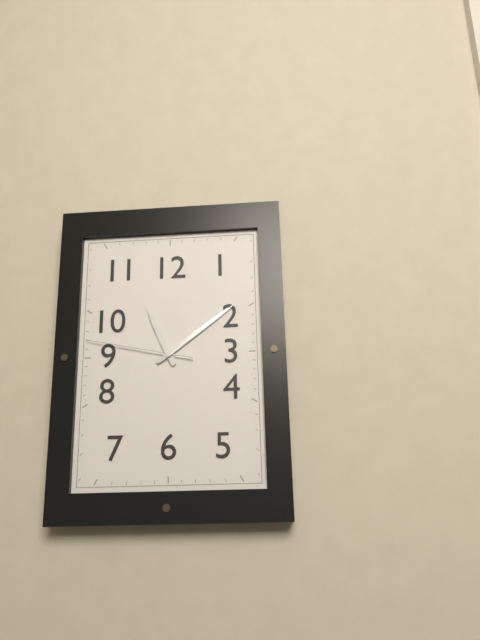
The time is 11h09m47s
